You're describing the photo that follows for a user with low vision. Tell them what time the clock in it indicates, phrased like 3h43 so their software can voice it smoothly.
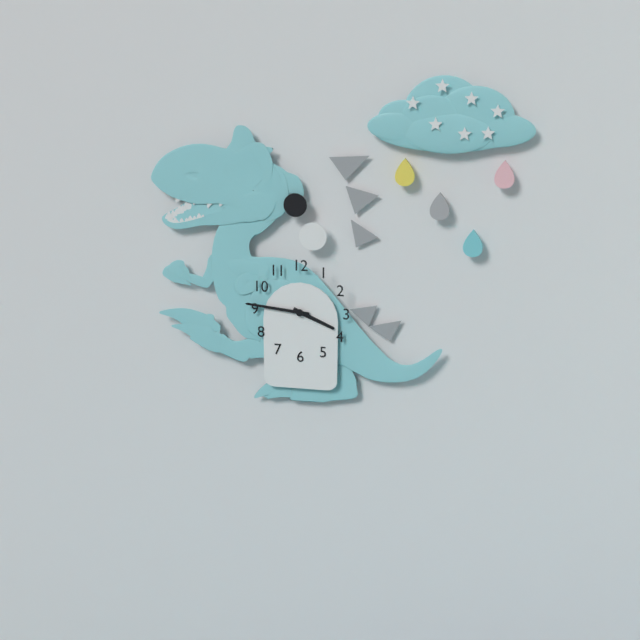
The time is 3h46
